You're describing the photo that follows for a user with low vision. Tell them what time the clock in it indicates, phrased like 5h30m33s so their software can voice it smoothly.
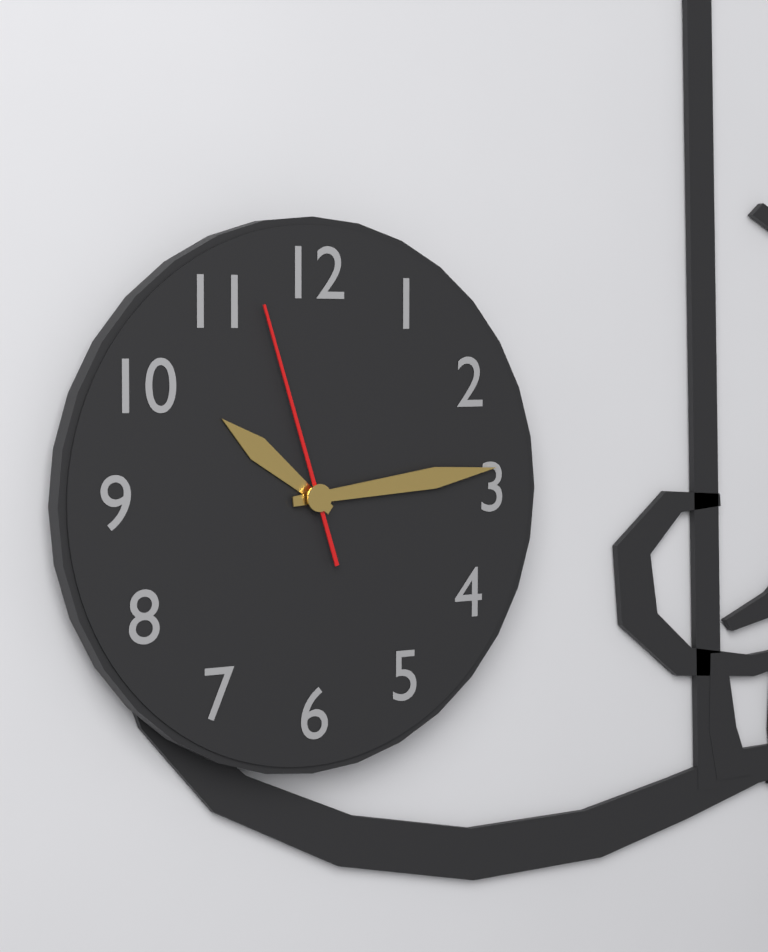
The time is 10h14m57s
